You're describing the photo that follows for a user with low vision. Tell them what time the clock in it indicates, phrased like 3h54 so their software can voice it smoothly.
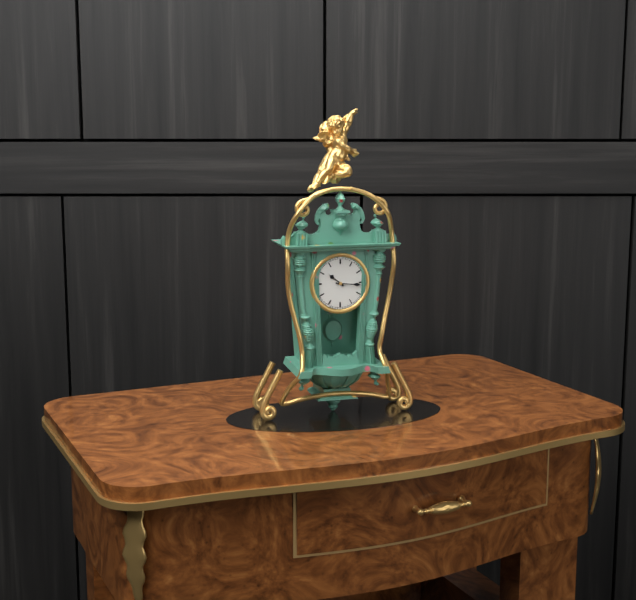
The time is 10h16
